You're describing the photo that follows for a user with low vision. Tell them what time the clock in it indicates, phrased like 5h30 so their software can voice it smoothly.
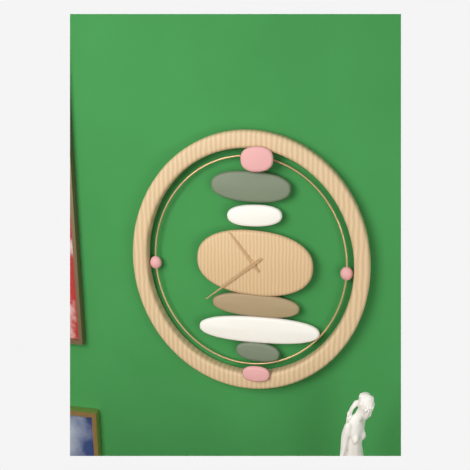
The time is 10h39
